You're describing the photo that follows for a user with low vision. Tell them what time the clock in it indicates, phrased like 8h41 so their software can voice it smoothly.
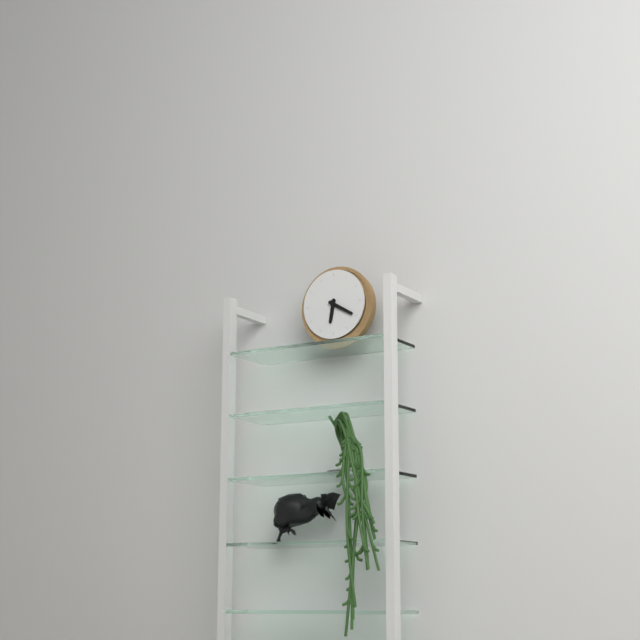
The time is 6h20
